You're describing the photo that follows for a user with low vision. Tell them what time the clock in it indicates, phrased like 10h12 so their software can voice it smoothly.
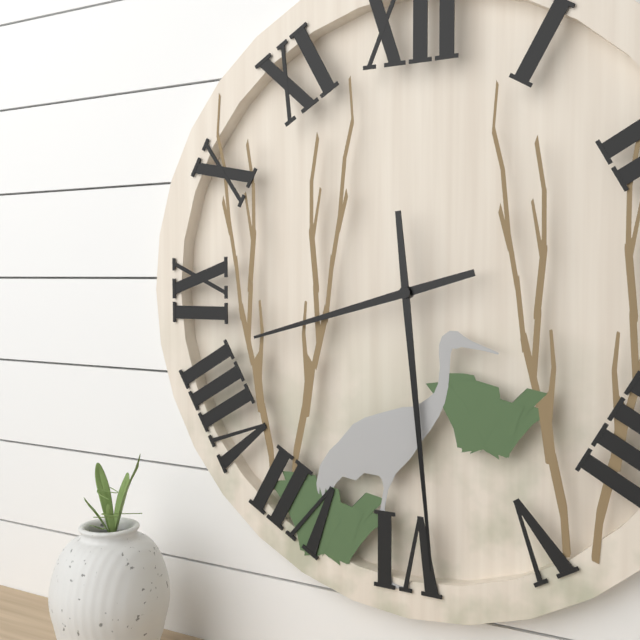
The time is 8h29
